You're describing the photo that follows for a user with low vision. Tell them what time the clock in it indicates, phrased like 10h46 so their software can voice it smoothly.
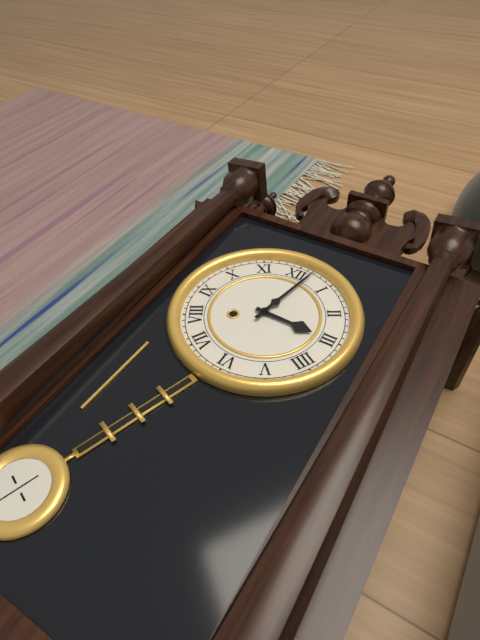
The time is 3h02
